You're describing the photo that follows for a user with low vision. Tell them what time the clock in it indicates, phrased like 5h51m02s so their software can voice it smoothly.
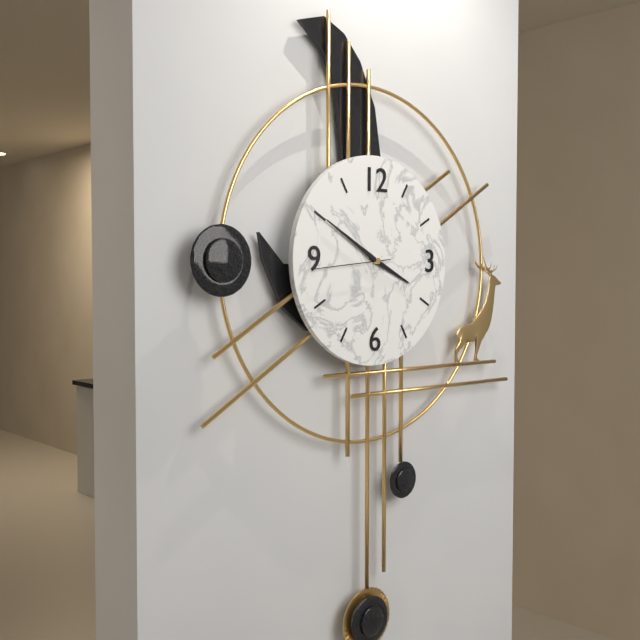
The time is 3h50m44s
